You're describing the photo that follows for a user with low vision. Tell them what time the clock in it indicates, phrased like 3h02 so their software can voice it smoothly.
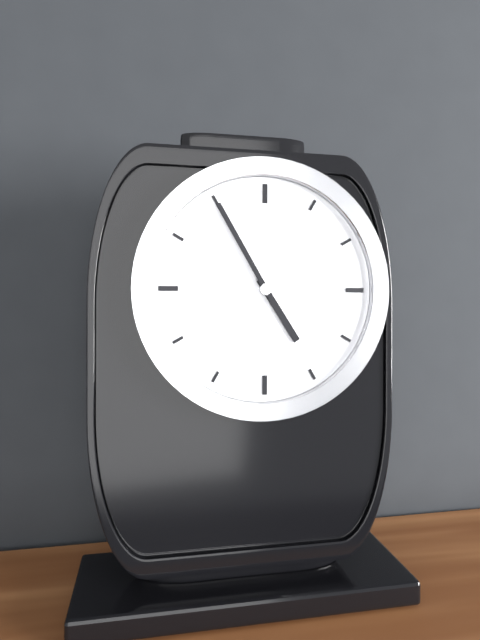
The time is 4h55
